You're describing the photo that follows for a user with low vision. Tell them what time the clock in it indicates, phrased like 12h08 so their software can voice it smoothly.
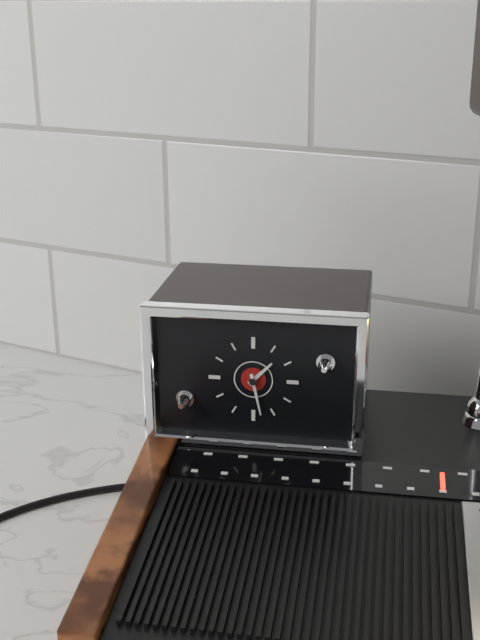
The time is 1h28
